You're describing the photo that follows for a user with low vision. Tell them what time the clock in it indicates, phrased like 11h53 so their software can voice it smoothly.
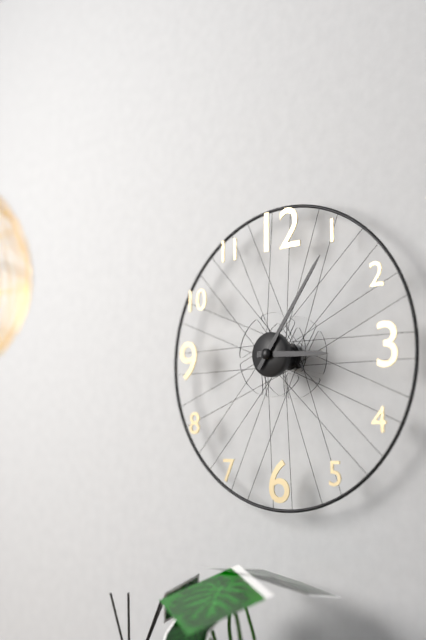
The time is 3h06
